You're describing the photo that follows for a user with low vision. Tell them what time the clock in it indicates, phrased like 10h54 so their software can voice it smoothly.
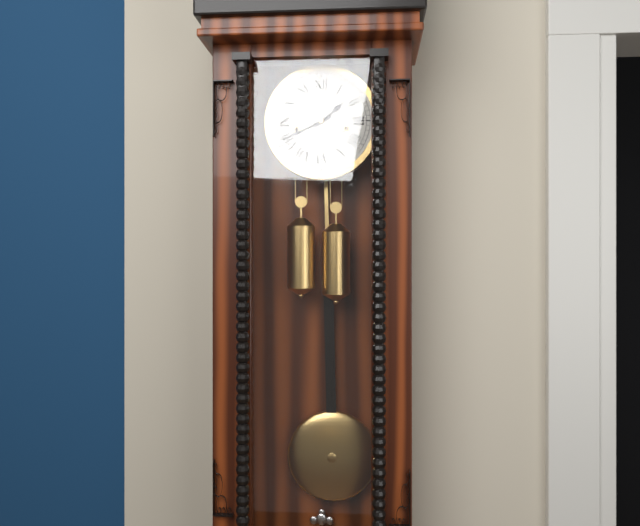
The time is 1h41
